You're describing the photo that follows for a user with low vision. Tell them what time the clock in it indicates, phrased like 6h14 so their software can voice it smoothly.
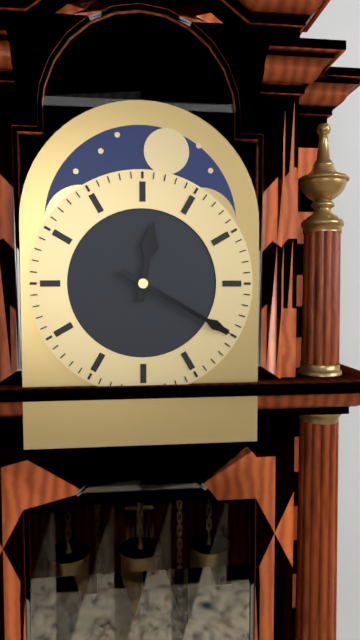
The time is 12h20
